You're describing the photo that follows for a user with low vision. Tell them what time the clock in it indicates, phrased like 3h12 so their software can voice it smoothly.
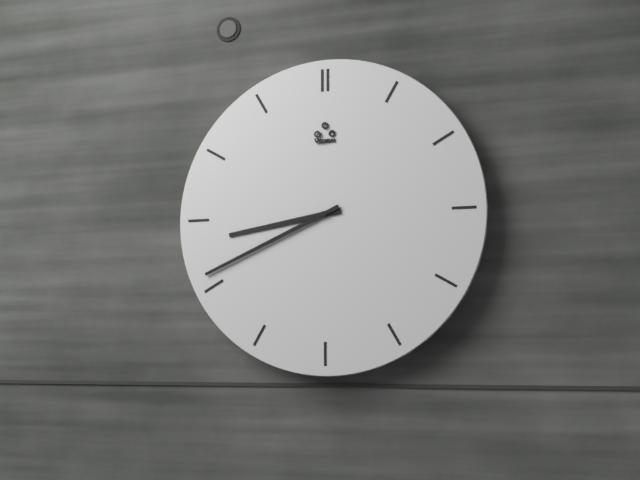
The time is 8h41
